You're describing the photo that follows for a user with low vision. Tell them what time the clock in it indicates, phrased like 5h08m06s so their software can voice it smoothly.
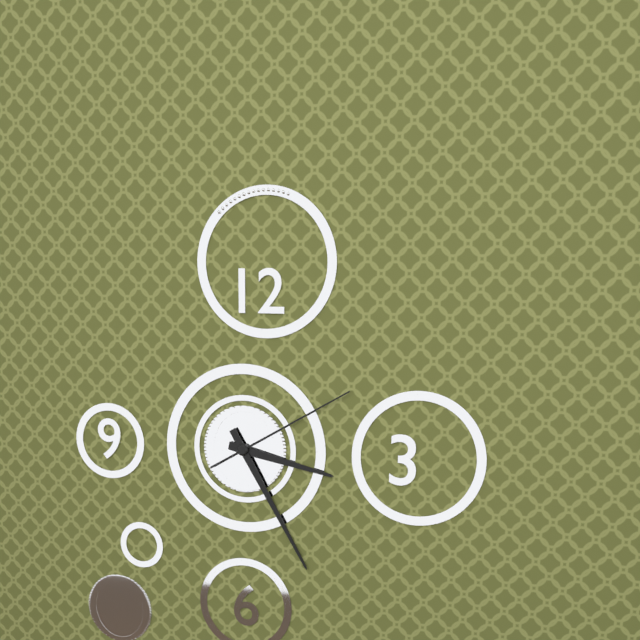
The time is 3h25m10s
